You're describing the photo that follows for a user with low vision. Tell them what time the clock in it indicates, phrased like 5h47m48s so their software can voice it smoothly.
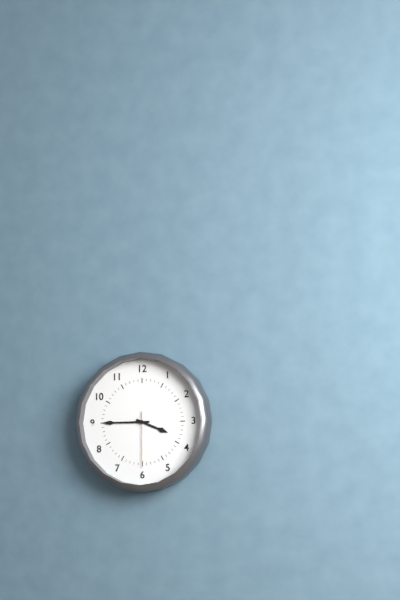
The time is 3h45m30s
